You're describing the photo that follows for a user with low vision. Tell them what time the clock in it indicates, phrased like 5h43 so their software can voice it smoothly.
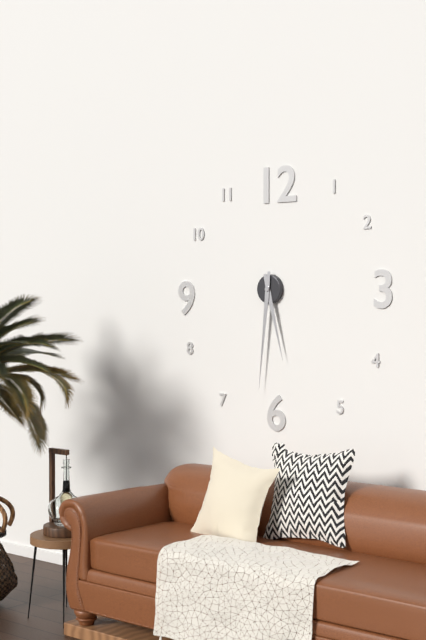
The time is 5h31
